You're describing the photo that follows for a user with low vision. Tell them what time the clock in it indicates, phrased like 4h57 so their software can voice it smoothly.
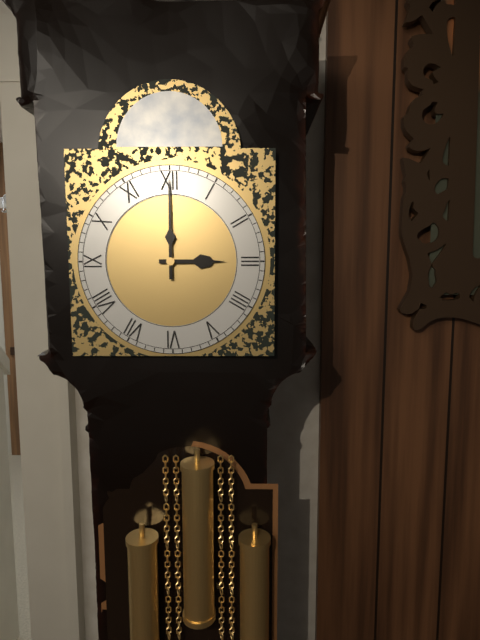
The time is 3h00
